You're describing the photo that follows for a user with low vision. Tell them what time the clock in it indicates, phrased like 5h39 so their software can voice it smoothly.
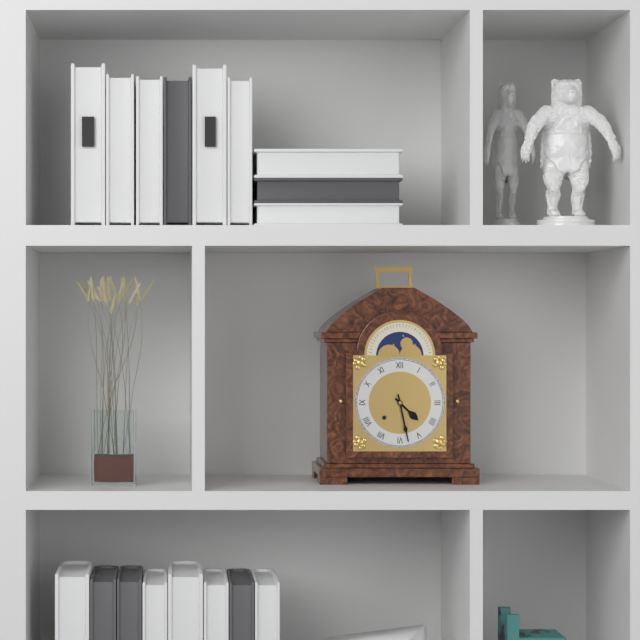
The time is 4h28
